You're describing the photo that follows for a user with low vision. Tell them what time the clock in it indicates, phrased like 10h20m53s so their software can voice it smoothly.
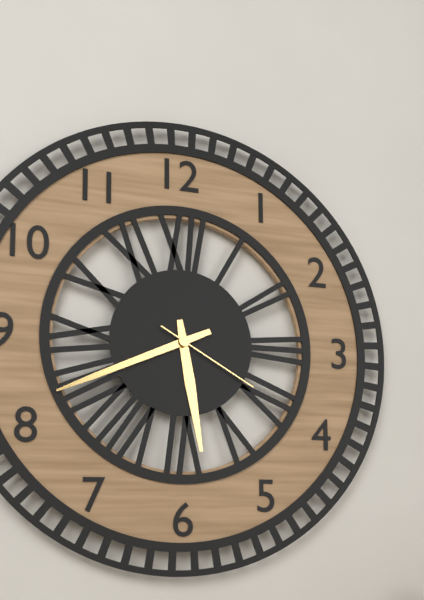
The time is 5h41m20s
